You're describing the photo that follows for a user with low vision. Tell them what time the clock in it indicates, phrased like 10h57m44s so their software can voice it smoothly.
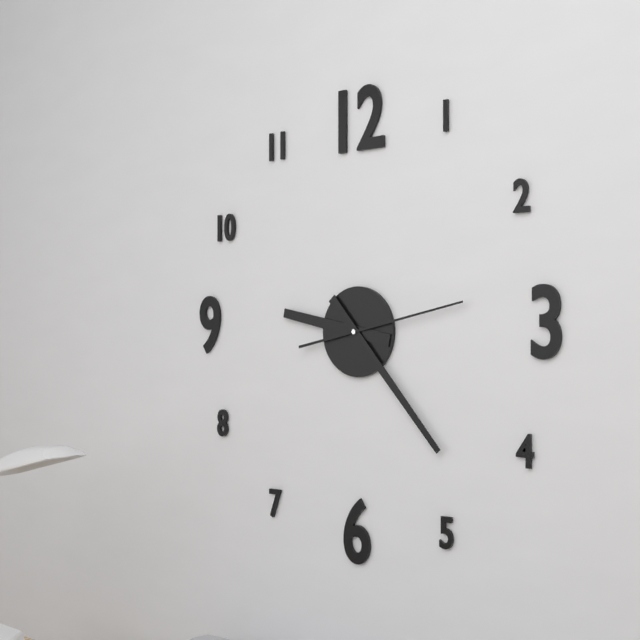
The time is 9h23m13s
